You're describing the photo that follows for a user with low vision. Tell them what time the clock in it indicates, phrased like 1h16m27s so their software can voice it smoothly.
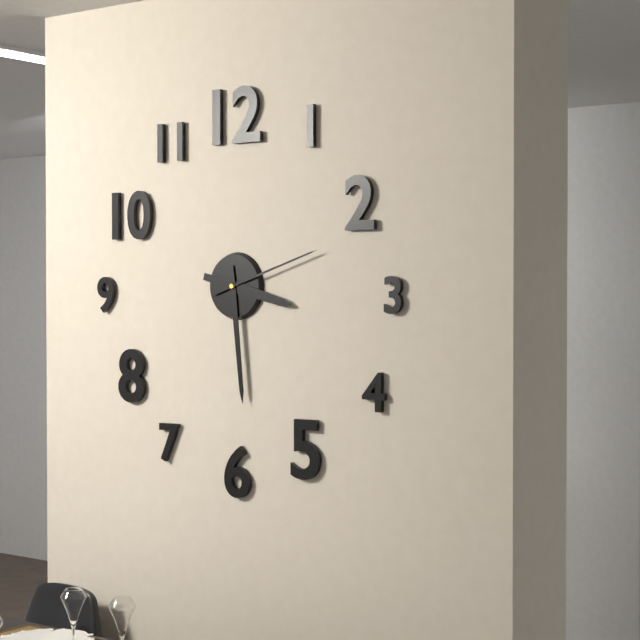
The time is 3h29m12s
